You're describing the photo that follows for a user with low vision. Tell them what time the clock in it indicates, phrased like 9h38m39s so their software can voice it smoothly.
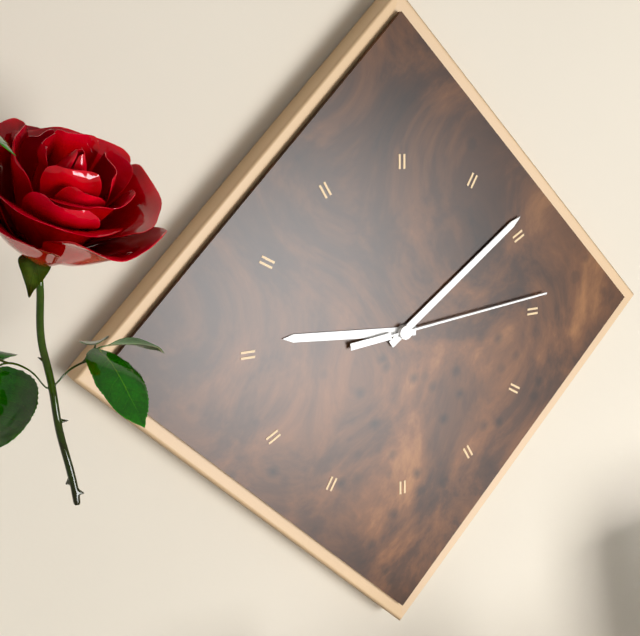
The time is 9h09m14s
